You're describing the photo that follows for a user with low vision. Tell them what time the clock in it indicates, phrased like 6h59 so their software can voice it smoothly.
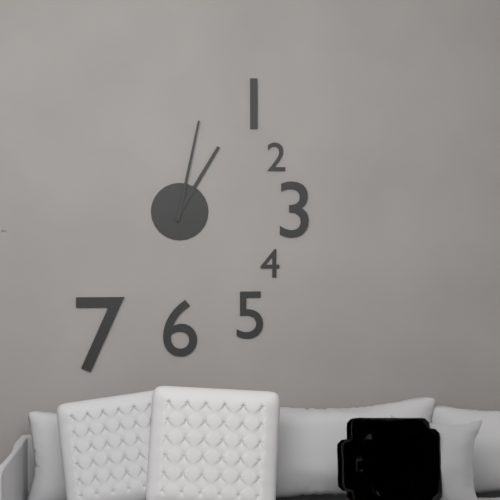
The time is 1h02
